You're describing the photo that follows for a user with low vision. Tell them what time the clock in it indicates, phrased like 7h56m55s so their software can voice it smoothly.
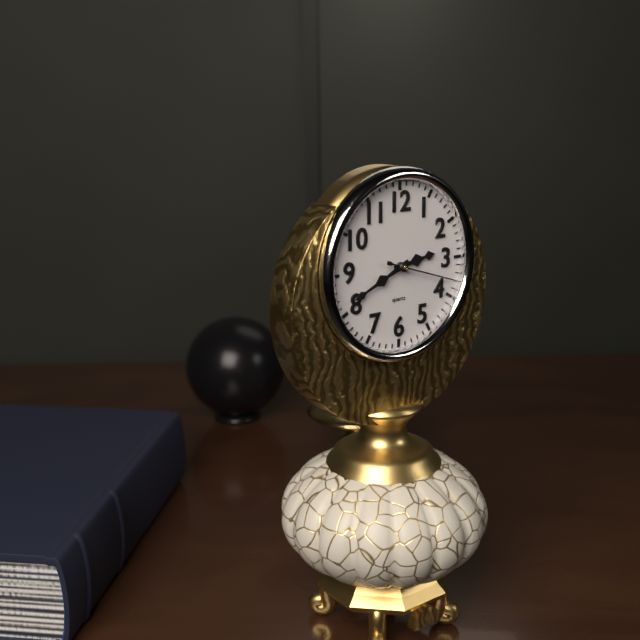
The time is 2h41m18s
